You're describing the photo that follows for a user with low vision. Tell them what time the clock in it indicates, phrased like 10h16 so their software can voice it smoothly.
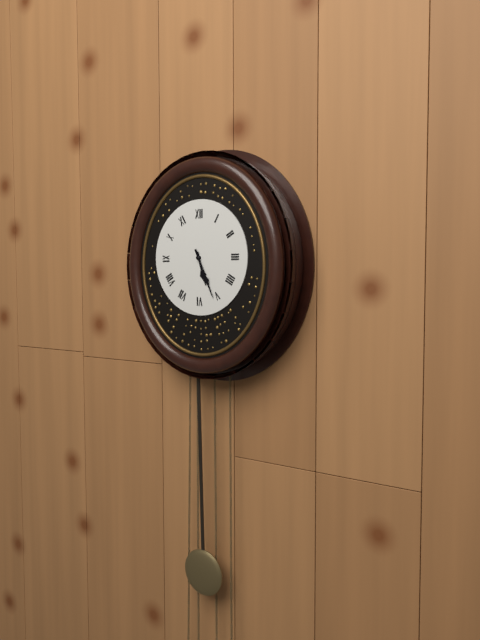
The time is 5h26
